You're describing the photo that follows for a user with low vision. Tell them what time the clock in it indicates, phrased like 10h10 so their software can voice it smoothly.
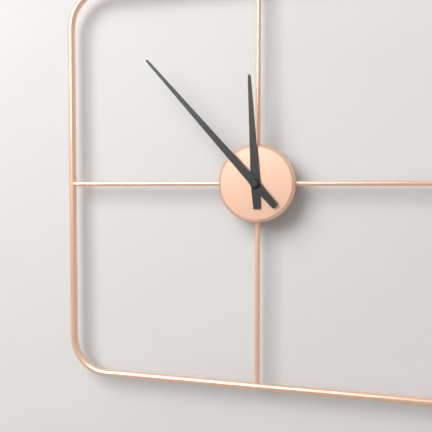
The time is 11h53
